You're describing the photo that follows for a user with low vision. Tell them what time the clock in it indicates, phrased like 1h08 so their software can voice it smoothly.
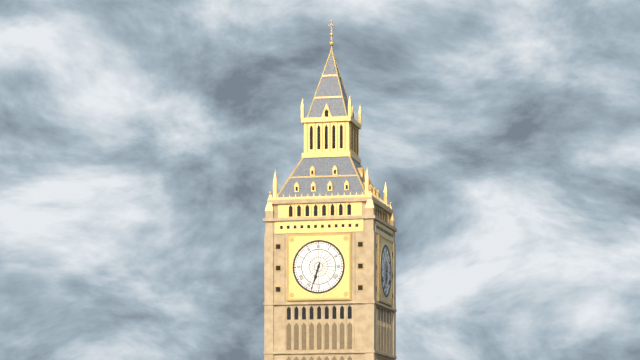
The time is 6h33
